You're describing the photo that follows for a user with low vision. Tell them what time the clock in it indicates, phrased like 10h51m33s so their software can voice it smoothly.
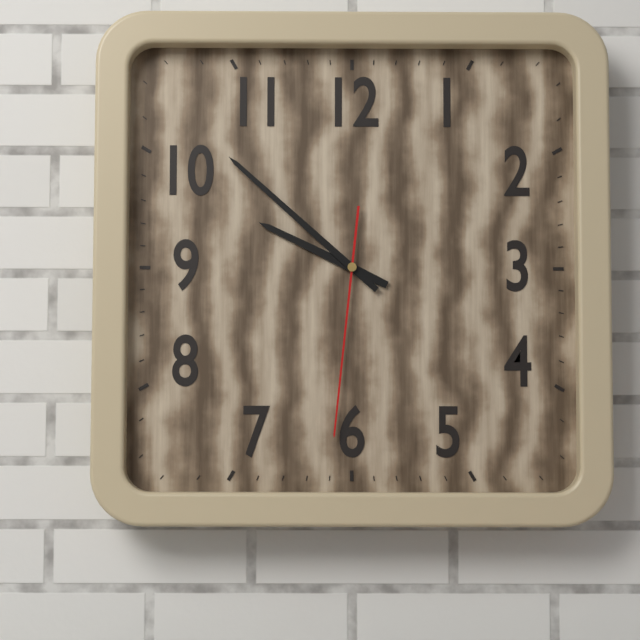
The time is 9h52m31s
